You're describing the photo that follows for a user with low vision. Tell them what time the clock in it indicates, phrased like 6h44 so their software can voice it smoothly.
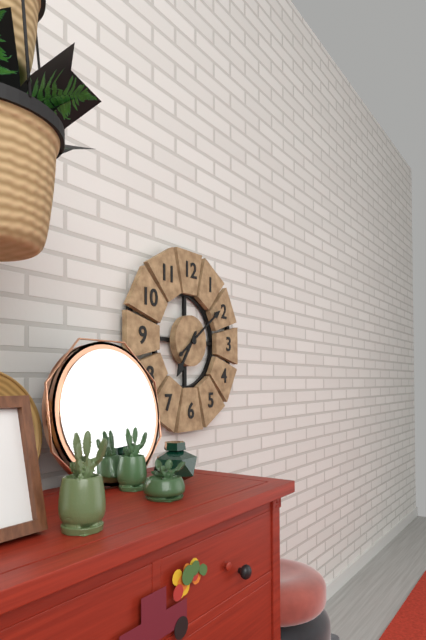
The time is 7h09
